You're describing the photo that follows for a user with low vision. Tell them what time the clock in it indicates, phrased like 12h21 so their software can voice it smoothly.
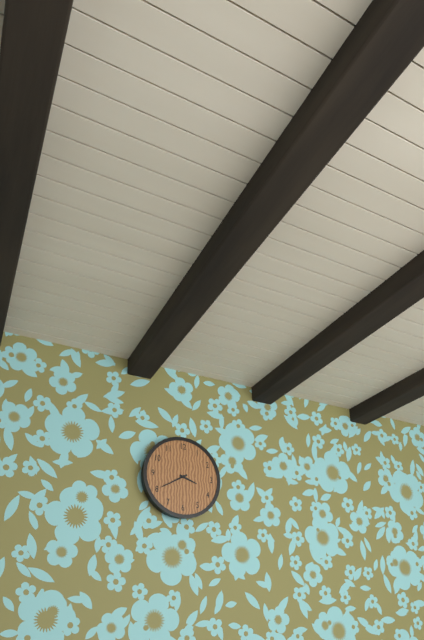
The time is 3h40
